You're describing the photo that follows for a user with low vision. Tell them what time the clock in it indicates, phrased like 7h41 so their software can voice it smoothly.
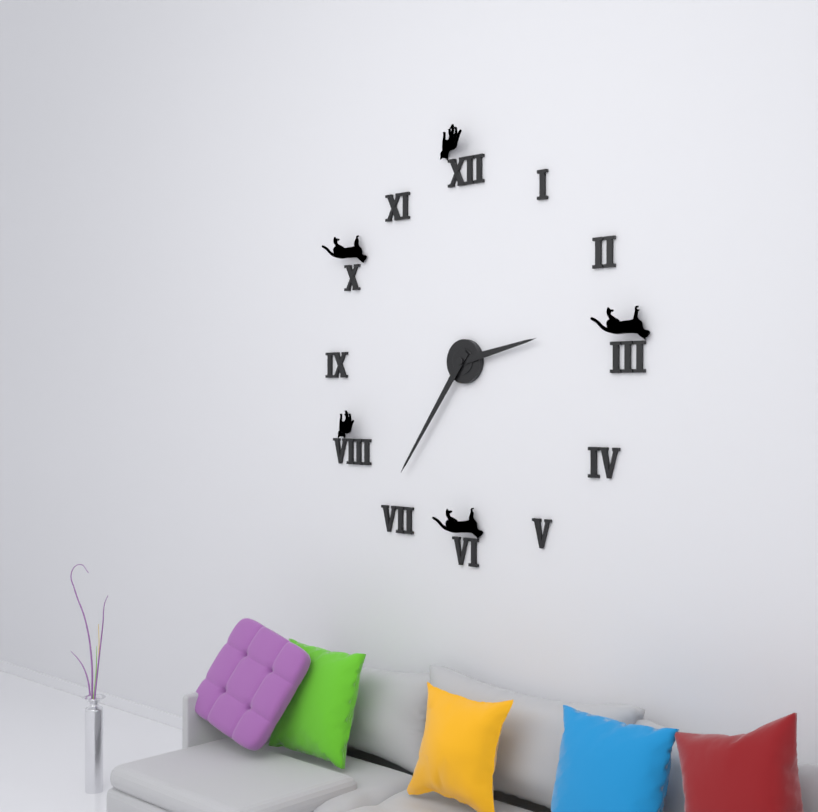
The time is 2h36
